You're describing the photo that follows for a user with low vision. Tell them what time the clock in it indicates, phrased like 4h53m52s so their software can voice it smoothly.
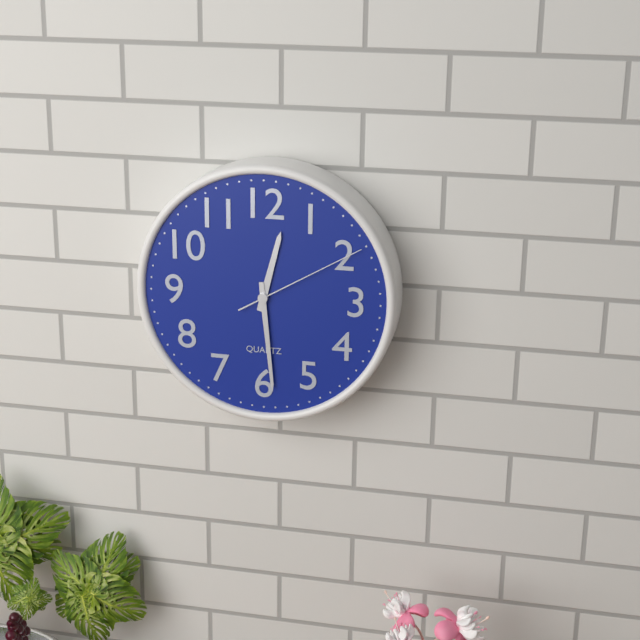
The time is 12h29m10s
